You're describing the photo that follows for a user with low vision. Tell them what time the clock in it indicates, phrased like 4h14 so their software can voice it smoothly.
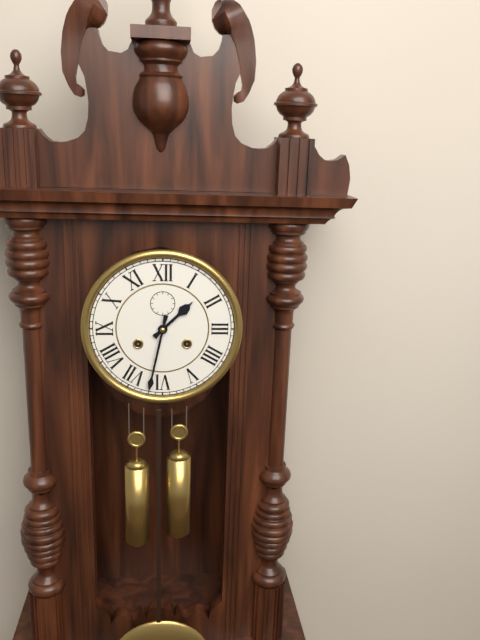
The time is 1h32
